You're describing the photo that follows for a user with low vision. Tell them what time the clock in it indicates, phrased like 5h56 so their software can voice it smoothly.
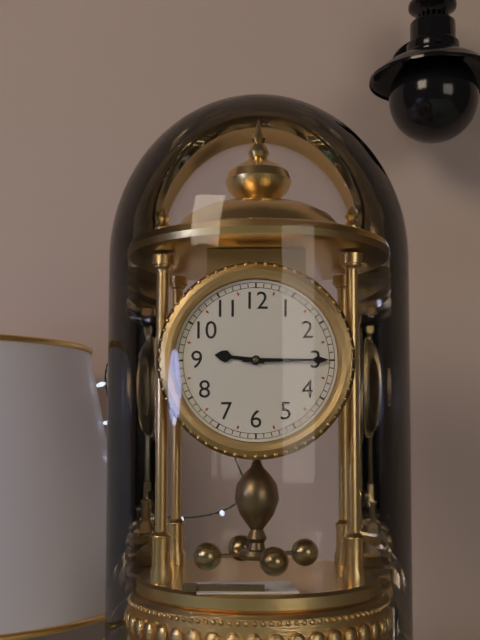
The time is 9h15
